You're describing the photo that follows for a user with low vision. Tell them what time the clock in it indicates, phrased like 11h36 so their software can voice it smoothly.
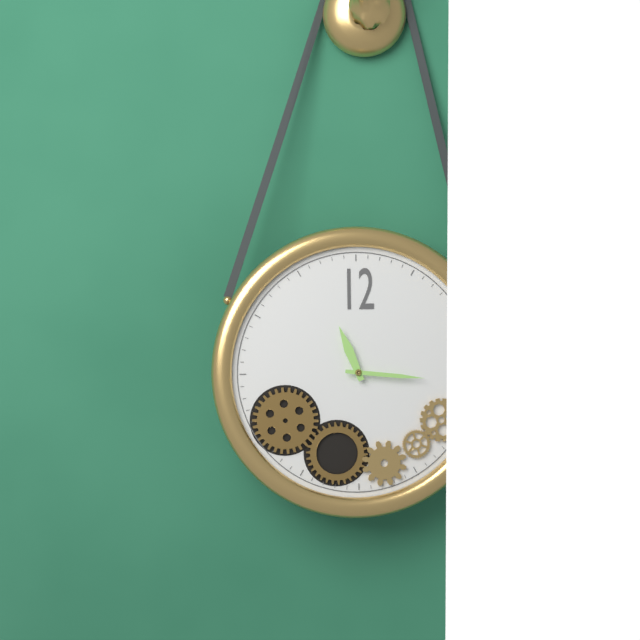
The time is 11h16
